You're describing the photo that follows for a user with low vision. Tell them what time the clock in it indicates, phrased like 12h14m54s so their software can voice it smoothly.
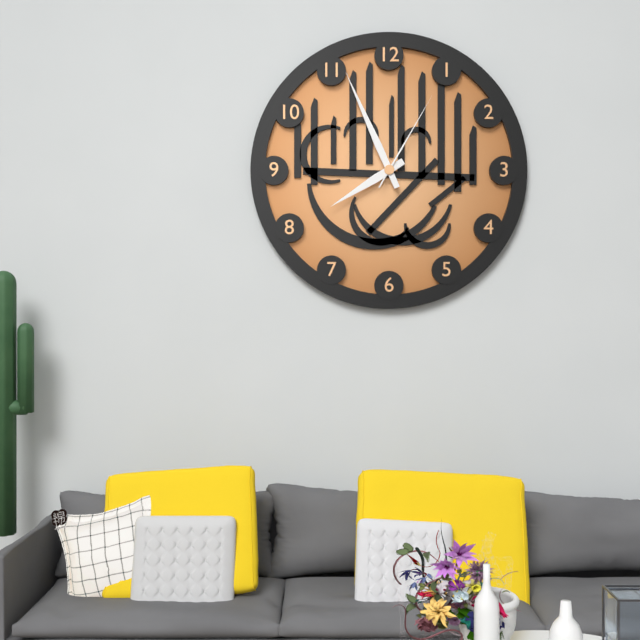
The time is 7h56m05s
